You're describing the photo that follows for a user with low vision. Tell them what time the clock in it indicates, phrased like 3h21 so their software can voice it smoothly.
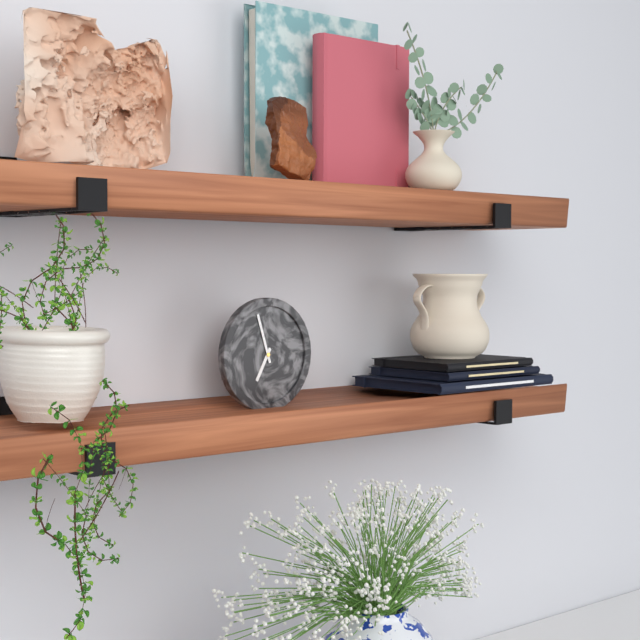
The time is 6h57
